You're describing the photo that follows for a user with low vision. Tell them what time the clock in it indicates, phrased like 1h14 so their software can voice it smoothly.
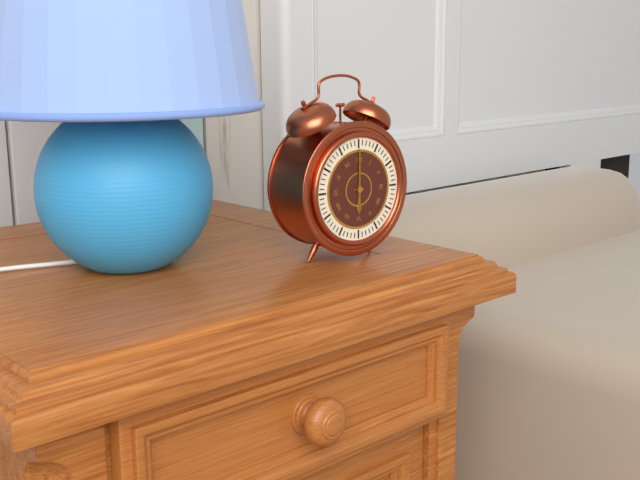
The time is 6h00
